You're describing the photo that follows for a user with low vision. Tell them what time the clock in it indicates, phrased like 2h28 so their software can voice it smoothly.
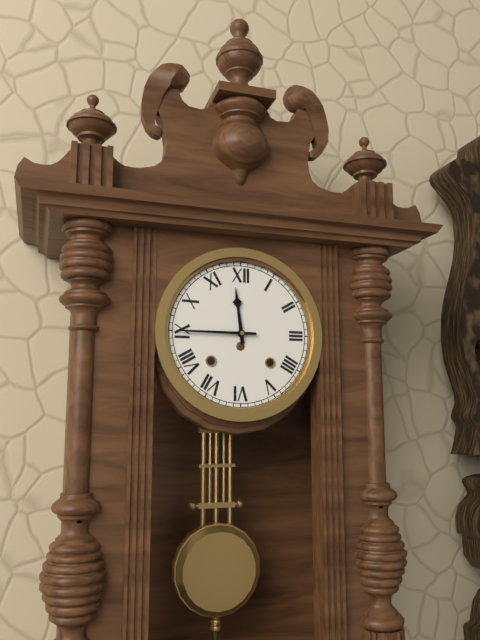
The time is 11h45
